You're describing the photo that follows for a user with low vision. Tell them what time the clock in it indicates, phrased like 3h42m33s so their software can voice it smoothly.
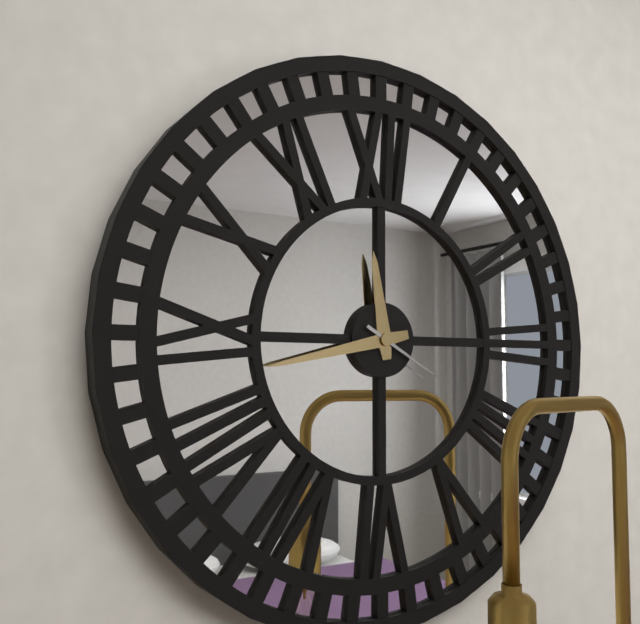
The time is 11h43m20s
